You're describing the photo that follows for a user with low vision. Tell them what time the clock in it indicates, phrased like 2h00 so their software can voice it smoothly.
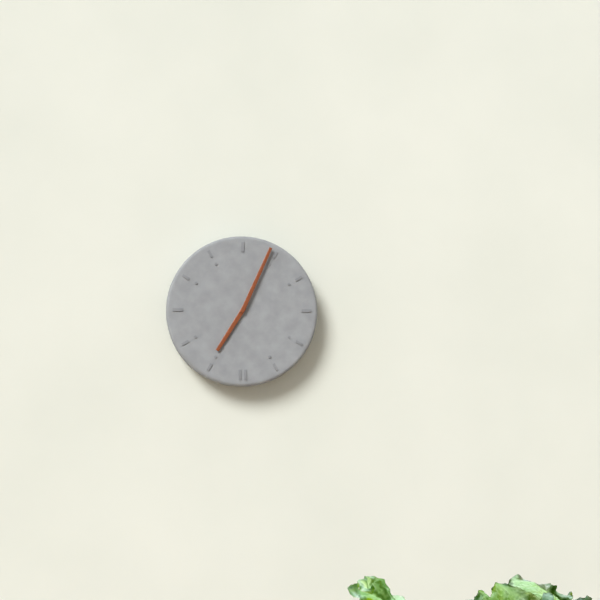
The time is 7h04
